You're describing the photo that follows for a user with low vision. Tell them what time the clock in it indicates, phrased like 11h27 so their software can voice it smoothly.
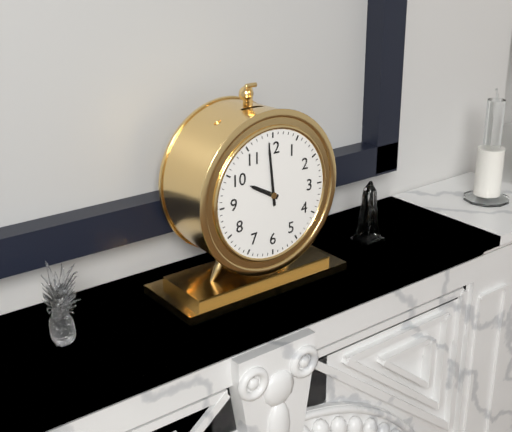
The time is 9h59
